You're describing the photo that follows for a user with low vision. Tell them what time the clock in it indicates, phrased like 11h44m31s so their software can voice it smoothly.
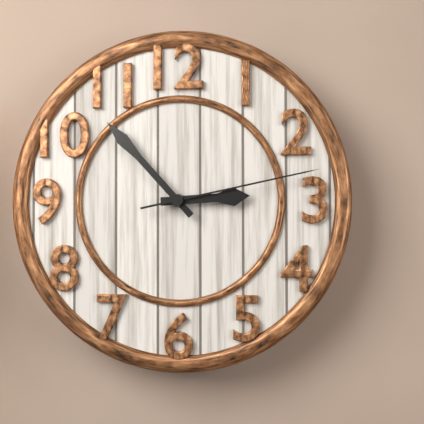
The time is 2h53m13s
